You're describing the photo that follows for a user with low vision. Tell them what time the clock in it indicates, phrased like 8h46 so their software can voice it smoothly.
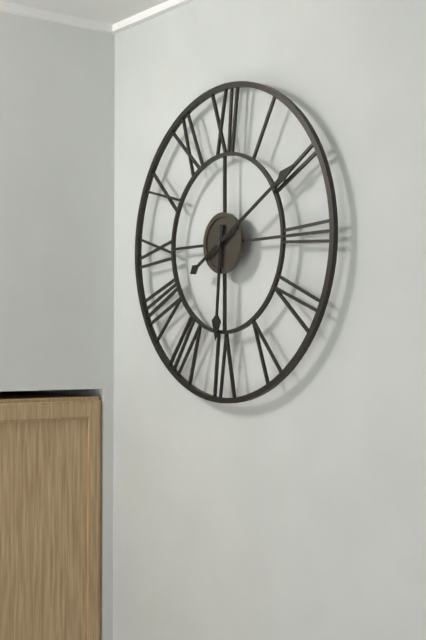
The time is 6h10
